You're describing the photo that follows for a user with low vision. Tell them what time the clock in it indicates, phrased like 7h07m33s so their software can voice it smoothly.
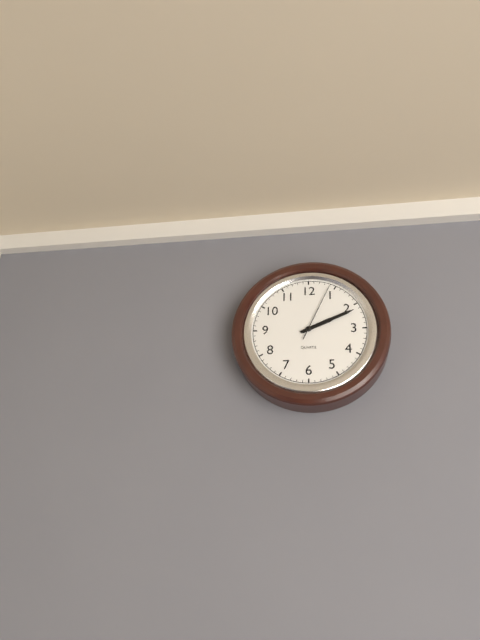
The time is 2h11m04s
